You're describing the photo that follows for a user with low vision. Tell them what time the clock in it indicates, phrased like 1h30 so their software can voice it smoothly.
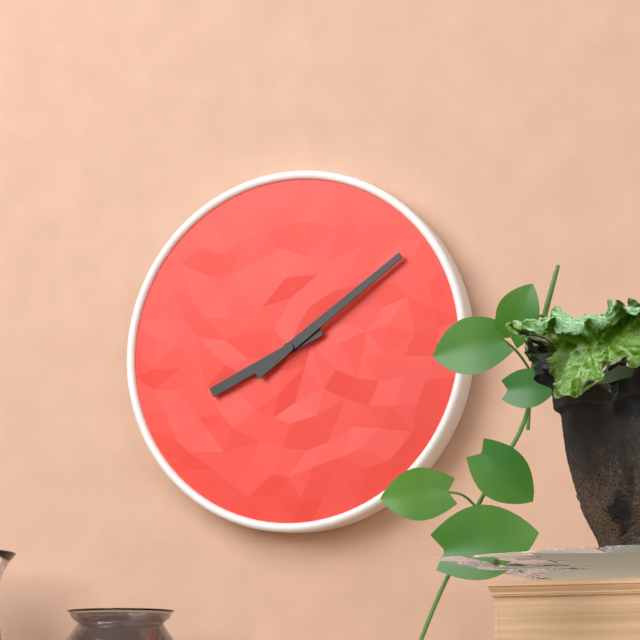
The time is 8h09
